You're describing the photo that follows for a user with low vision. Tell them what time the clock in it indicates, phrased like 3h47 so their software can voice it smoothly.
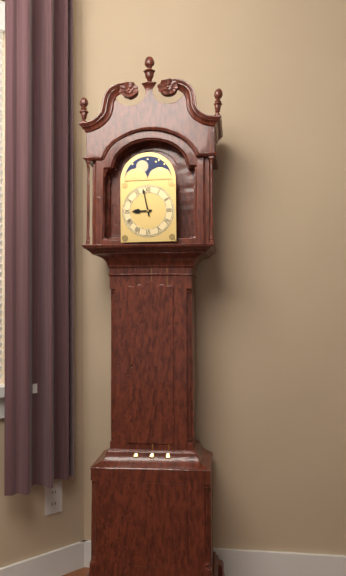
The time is 8h58
